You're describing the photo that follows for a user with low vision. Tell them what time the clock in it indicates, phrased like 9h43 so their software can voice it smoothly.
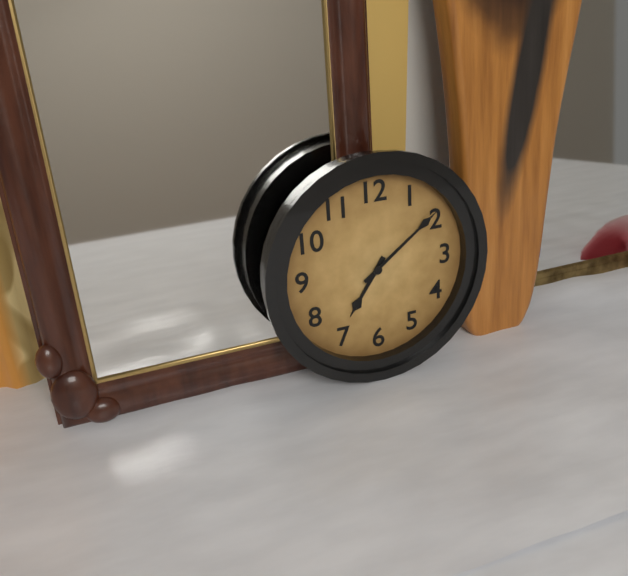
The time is 7h09
